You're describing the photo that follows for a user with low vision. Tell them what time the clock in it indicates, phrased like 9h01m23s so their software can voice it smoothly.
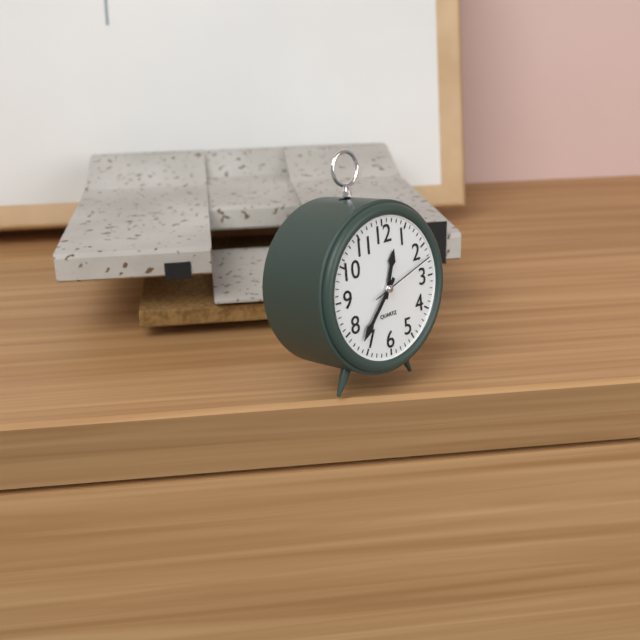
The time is 12h37m12s
